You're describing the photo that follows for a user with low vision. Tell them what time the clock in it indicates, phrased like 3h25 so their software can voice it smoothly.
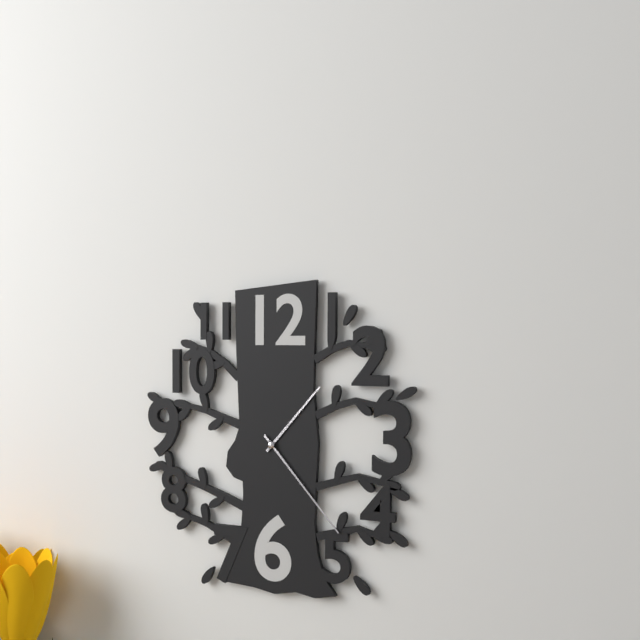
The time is 1h23
